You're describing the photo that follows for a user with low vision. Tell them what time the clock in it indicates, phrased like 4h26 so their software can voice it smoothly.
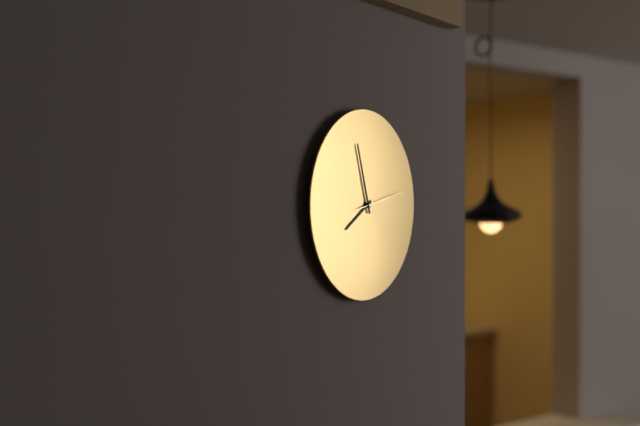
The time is 7h57
